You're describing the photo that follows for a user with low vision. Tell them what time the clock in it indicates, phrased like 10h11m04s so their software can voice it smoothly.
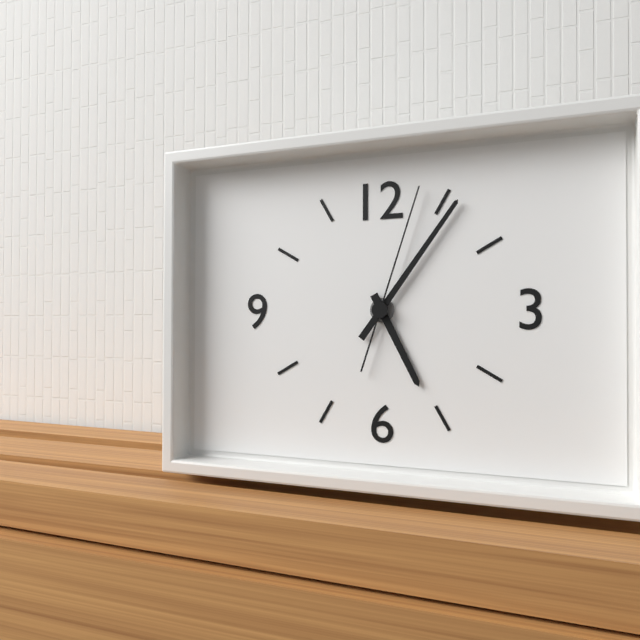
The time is 5h06m03s
